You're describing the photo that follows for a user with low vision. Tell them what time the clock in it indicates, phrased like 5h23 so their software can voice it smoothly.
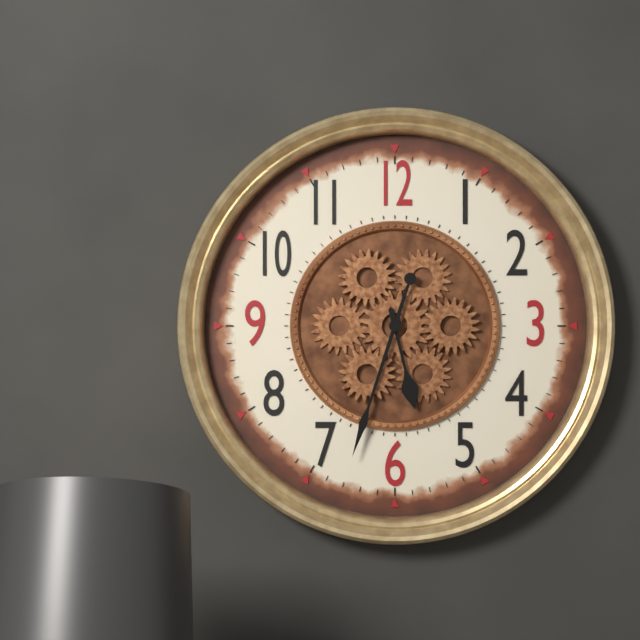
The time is 5h33
